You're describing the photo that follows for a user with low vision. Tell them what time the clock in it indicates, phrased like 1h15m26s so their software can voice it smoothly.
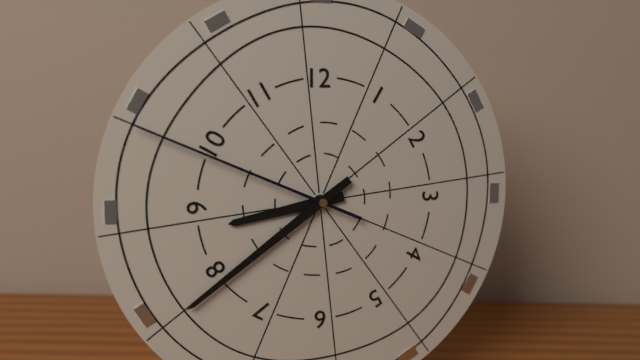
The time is 8h39m49s
